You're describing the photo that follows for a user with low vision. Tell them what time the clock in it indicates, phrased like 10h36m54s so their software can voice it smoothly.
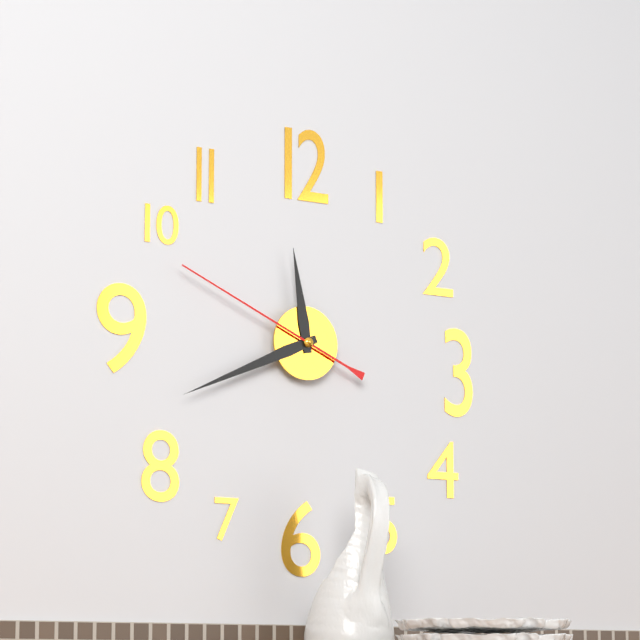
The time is 11h41m49s
